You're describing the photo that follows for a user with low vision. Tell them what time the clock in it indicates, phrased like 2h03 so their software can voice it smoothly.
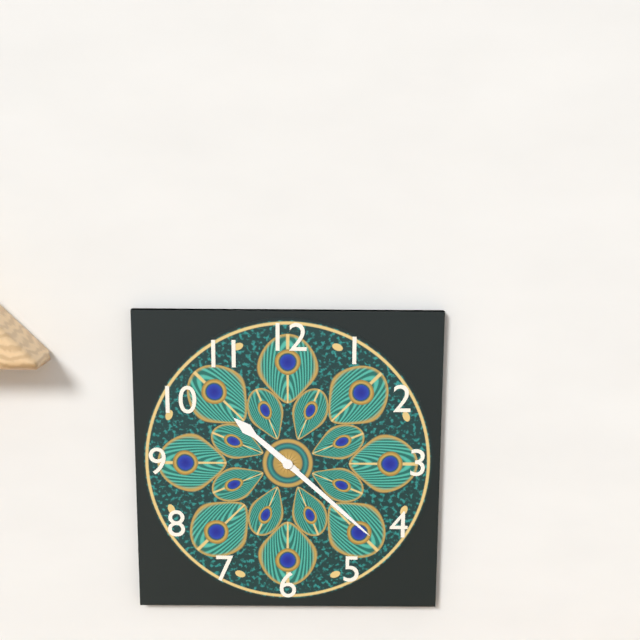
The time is 10h22
